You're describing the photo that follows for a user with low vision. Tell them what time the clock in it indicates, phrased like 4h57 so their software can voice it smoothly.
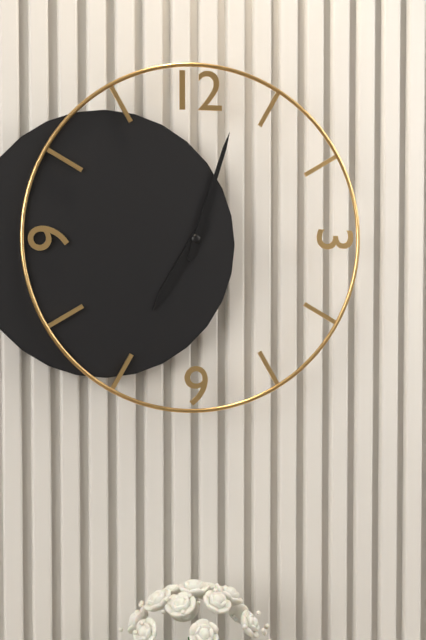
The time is 7h03
